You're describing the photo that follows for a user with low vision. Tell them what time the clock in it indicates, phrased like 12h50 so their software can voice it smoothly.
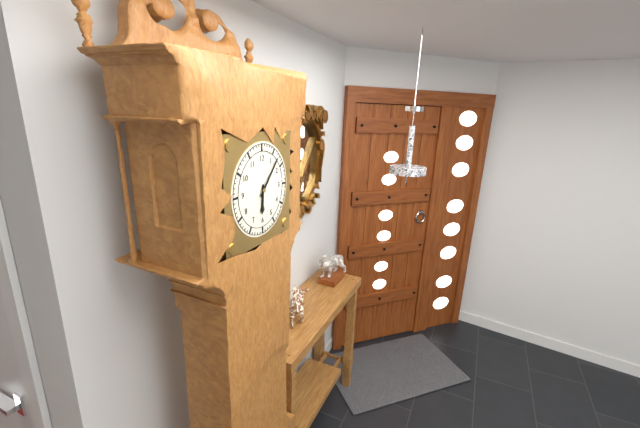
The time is 6h07
